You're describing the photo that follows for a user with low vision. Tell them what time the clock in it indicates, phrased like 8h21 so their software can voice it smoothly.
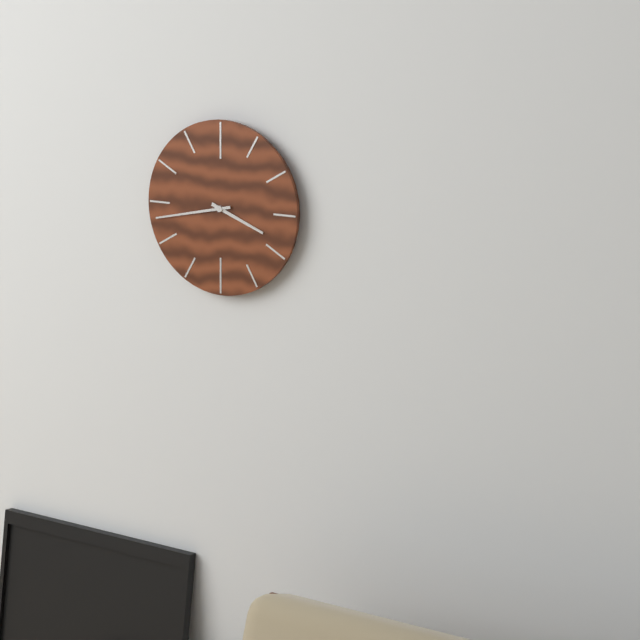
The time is 3h43
